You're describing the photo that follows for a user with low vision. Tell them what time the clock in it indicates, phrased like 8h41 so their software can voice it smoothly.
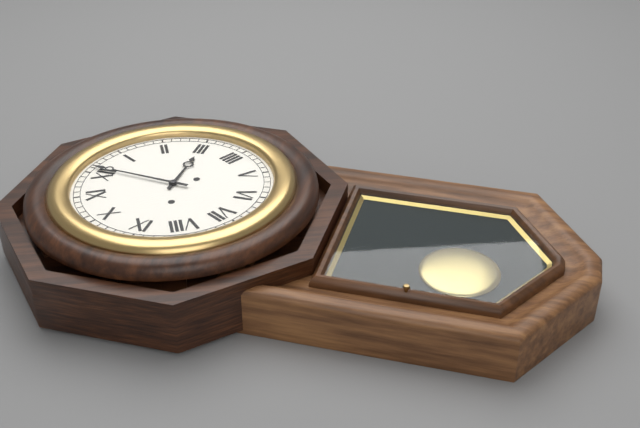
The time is 3h01
